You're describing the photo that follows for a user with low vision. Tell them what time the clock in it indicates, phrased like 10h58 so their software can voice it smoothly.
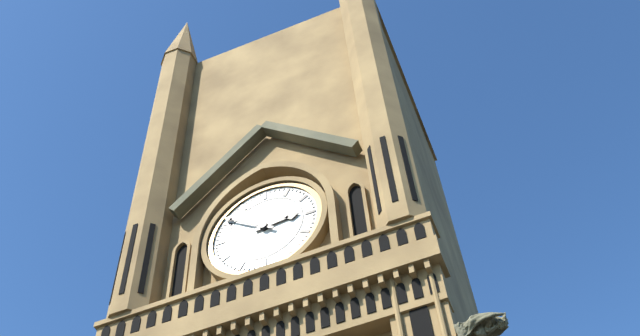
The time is 2h51
